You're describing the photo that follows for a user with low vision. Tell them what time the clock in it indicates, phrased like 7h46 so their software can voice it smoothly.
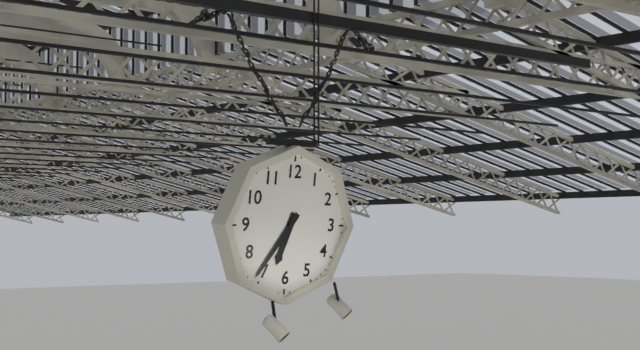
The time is 6h36
